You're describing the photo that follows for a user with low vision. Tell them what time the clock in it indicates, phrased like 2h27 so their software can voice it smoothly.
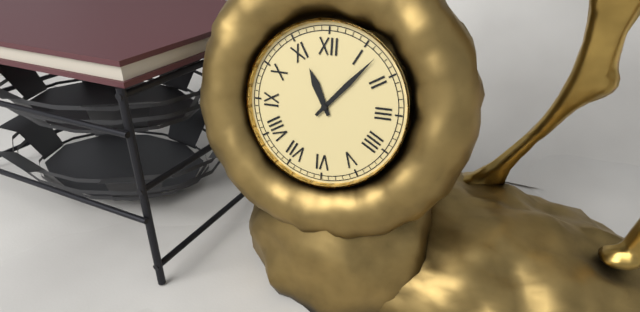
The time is 11h07
